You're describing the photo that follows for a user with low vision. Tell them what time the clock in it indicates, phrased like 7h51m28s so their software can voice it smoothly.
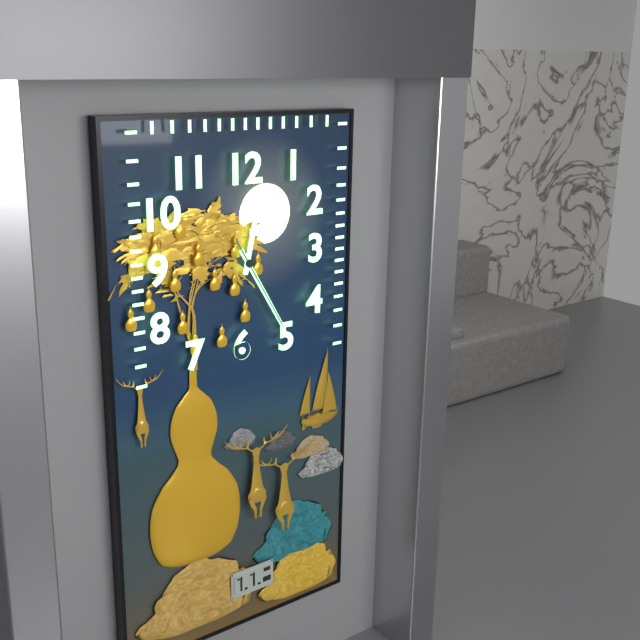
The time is 12h25m25s
